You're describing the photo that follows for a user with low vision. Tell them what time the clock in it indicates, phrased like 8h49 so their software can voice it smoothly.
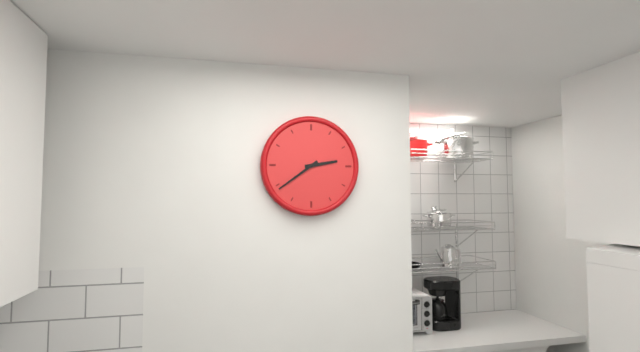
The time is 2h39
